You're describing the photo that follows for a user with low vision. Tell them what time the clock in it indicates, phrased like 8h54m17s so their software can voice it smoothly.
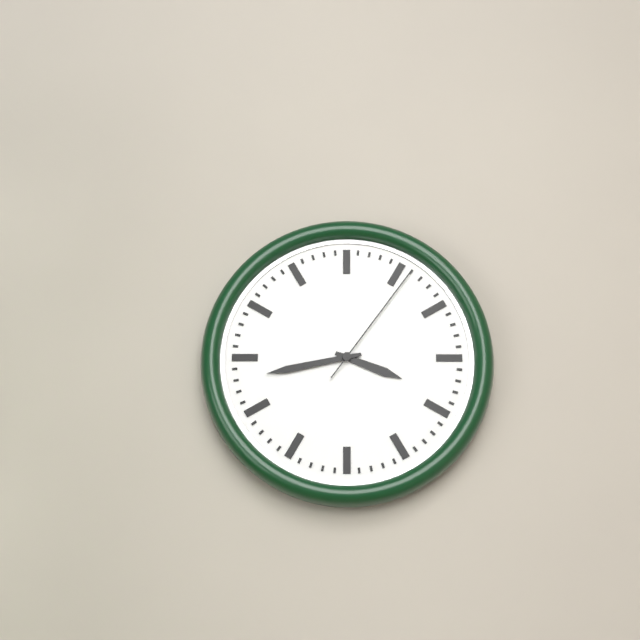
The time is 3h43m06s
